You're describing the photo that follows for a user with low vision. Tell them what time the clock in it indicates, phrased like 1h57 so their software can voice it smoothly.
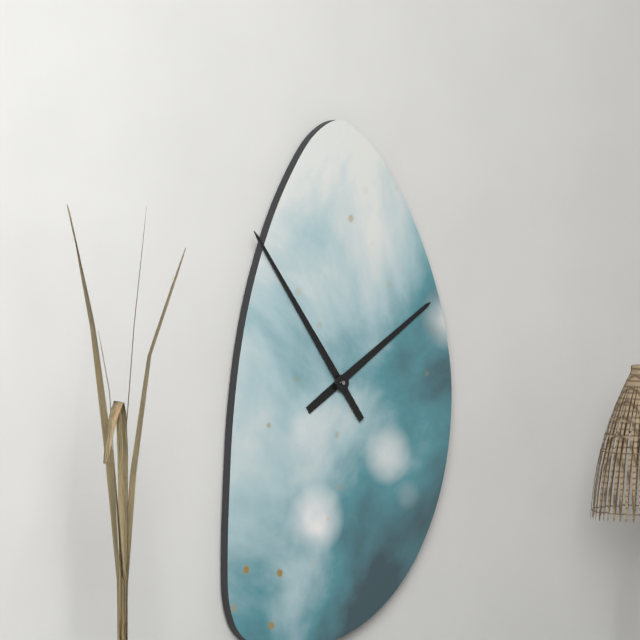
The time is 1h54
